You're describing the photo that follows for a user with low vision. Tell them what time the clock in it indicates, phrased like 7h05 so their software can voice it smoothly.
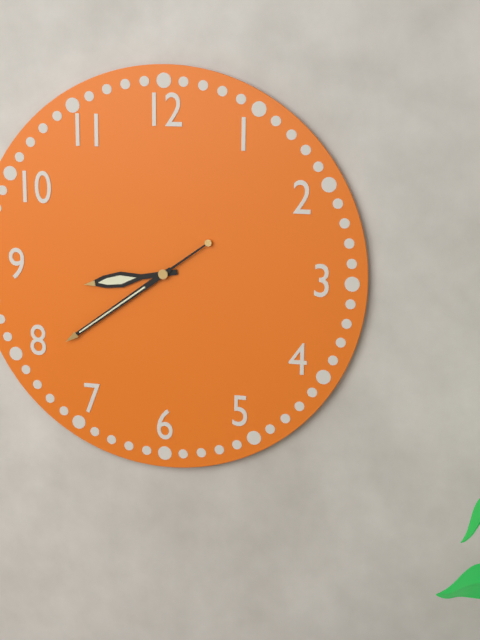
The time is 8h39
